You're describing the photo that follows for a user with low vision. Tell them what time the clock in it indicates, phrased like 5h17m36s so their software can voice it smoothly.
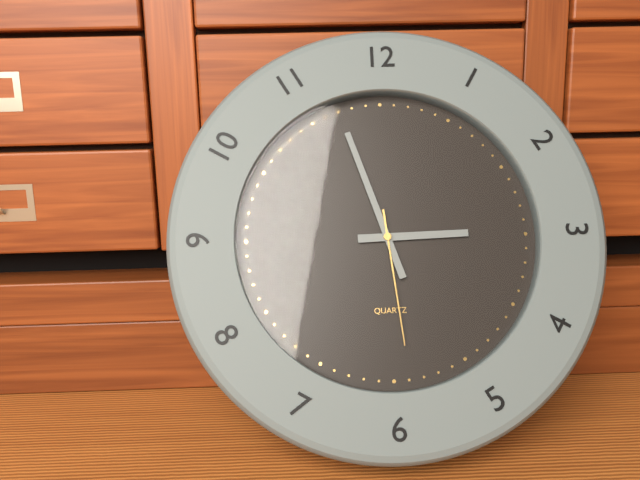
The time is 2h57m29s
